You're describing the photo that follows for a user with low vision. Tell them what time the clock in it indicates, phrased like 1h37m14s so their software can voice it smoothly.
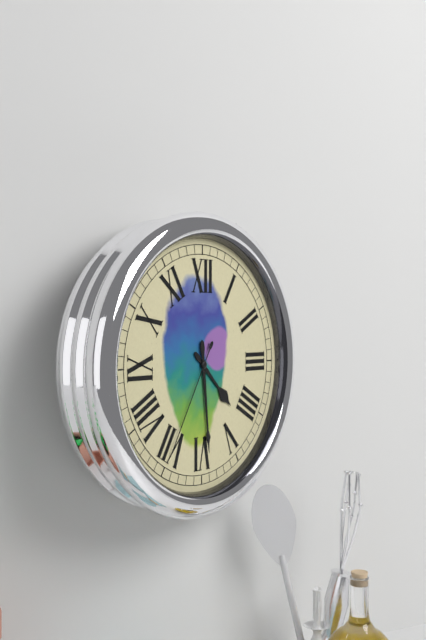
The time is 4h29m35s
